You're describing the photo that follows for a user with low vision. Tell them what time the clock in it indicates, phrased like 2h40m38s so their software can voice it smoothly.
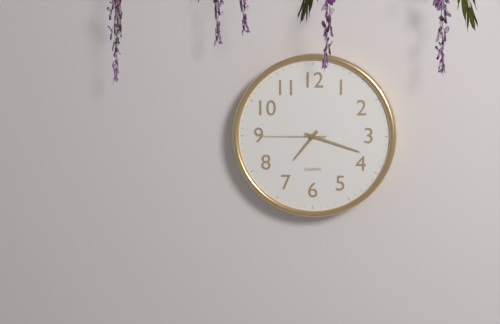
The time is 7h18m45s
